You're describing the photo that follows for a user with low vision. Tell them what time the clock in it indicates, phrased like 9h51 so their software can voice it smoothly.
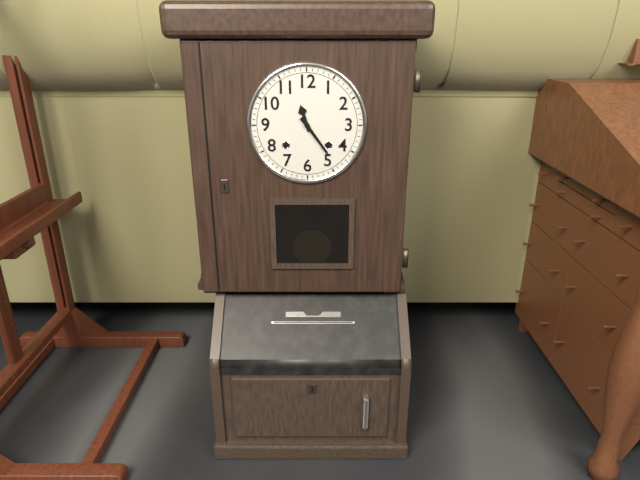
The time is 11h24
